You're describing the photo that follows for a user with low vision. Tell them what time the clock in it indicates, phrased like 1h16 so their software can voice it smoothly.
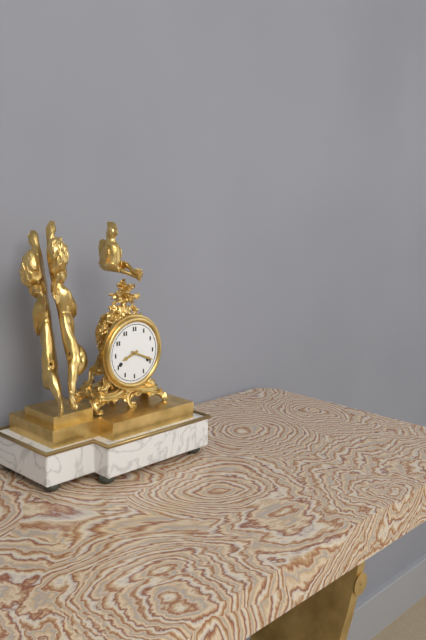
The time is 8h19
